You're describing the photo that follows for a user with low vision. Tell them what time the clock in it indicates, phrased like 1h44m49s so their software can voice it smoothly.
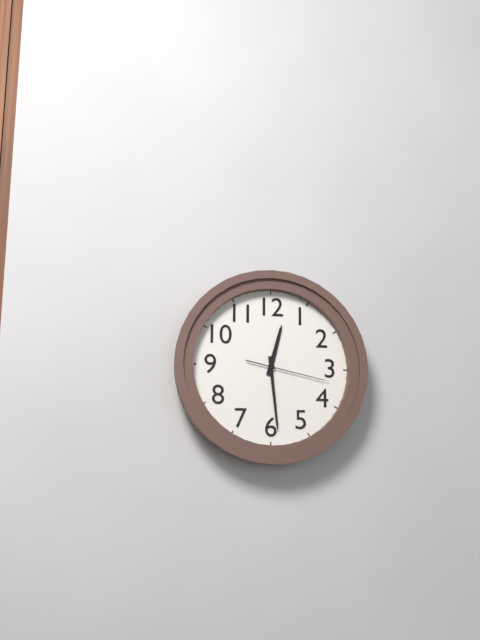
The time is 12h29m17s
